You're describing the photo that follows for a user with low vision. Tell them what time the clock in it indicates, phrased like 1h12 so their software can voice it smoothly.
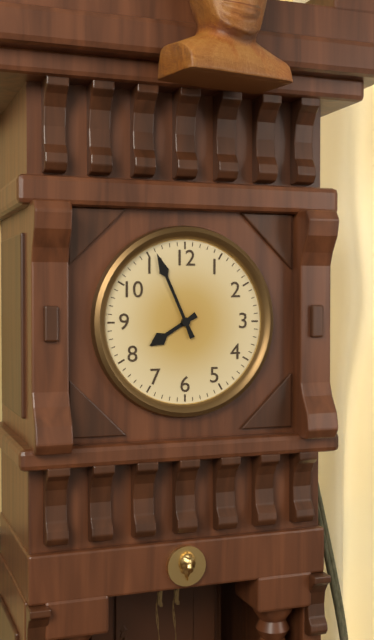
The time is 7h56
